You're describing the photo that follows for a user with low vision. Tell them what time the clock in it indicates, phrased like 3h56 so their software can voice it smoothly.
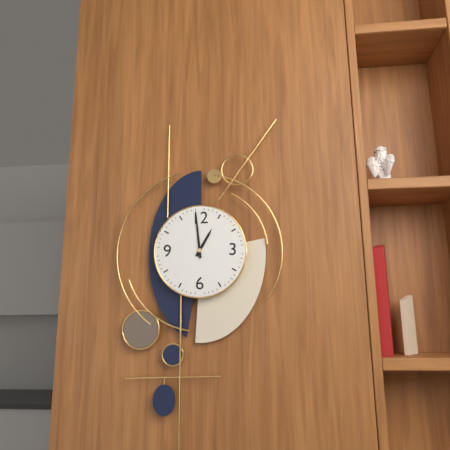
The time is 12h59
